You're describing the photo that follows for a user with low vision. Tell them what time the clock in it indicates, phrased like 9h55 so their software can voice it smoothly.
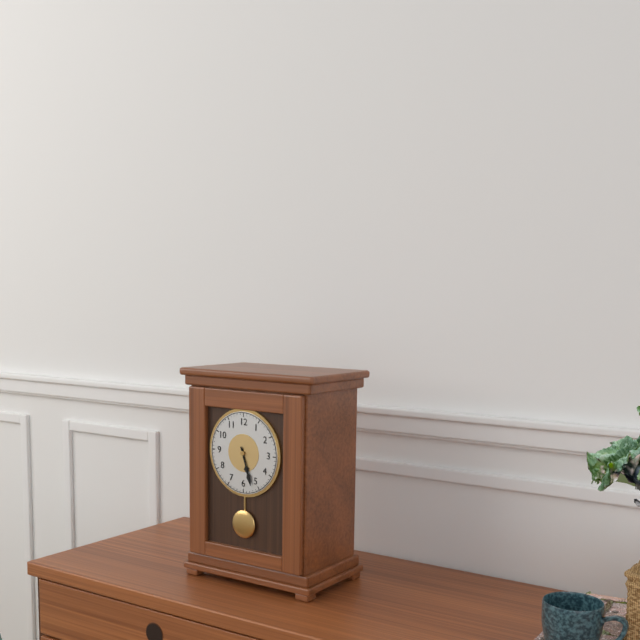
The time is 5h27
